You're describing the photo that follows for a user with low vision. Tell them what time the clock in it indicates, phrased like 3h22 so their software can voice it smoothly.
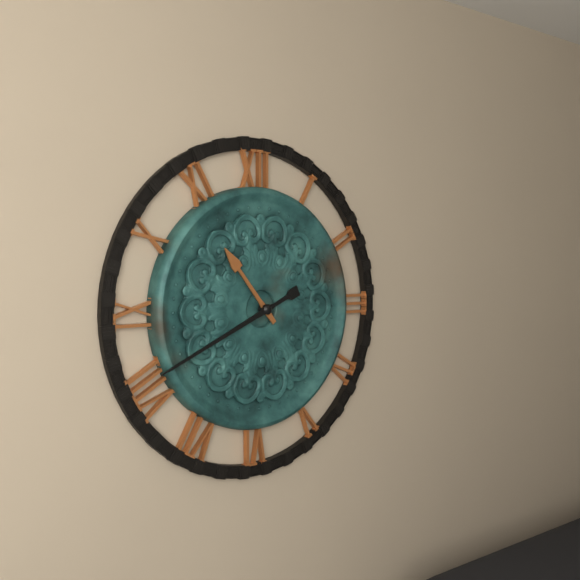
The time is 10h41
